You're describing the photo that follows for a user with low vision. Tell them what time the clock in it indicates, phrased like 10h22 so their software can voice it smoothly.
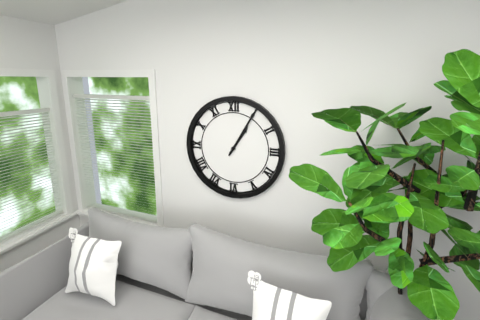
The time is 1h05
